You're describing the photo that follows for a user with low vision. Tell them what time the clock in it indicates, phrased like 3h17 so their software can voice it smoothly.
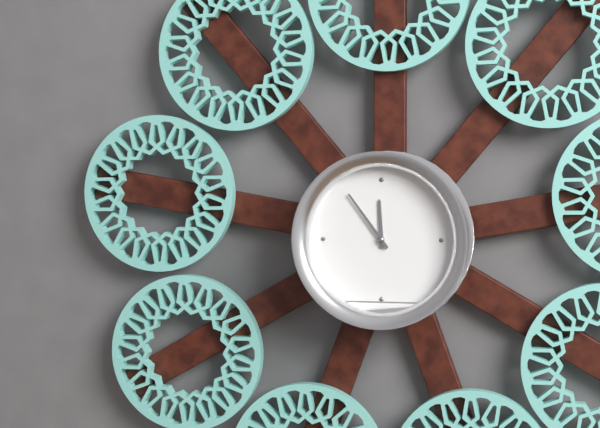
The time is 11h54
